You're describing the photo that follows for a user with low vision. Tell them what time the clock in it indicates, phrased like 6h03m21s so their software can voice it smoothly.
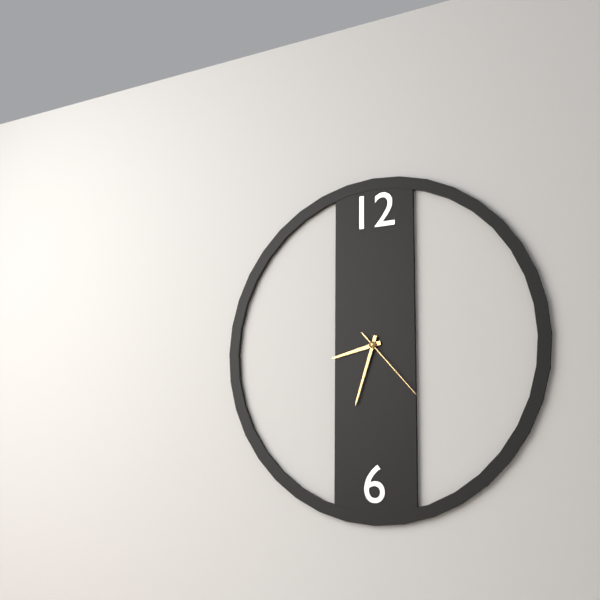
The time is 8h33m23s
